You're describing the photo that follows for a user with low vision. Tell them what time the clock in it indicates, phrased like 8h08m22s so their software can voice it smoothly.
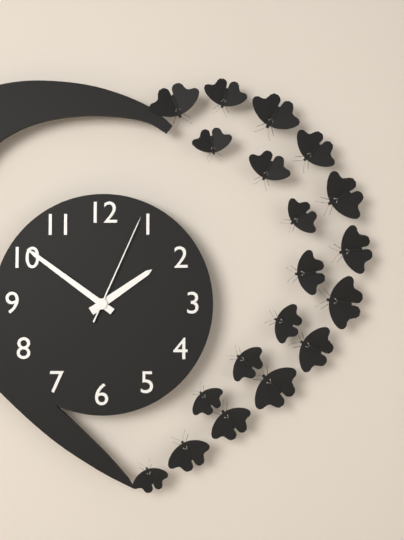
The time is 1h51m04s
